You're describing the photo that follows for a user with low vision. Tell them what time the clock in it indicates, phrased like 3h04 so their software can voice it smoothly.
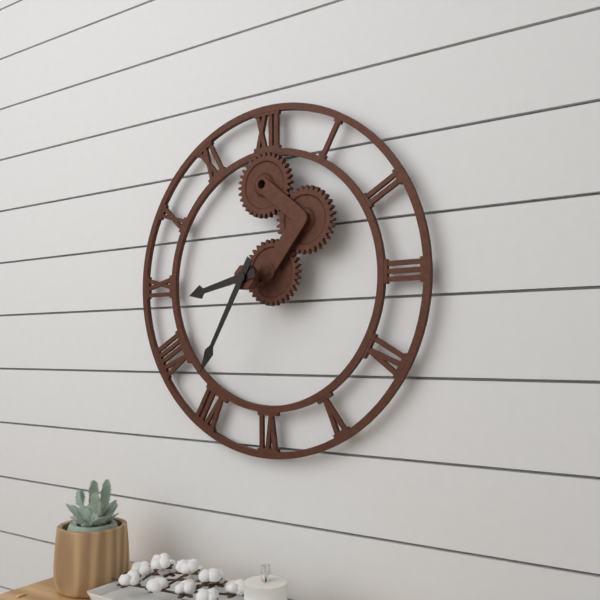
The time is 8h35
